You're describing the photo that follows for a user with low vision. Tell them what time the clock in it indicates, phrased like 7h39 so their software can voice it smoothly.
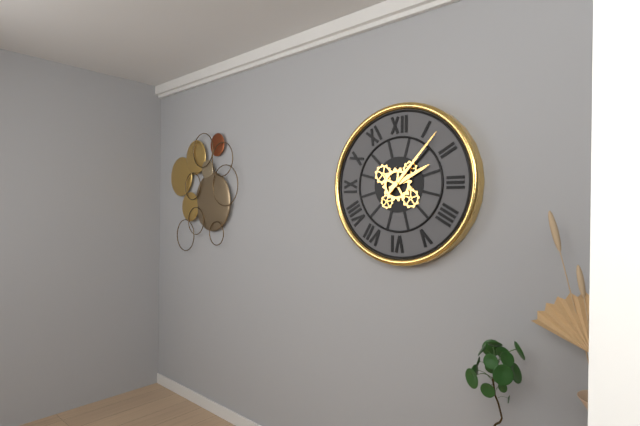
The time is 2h07
